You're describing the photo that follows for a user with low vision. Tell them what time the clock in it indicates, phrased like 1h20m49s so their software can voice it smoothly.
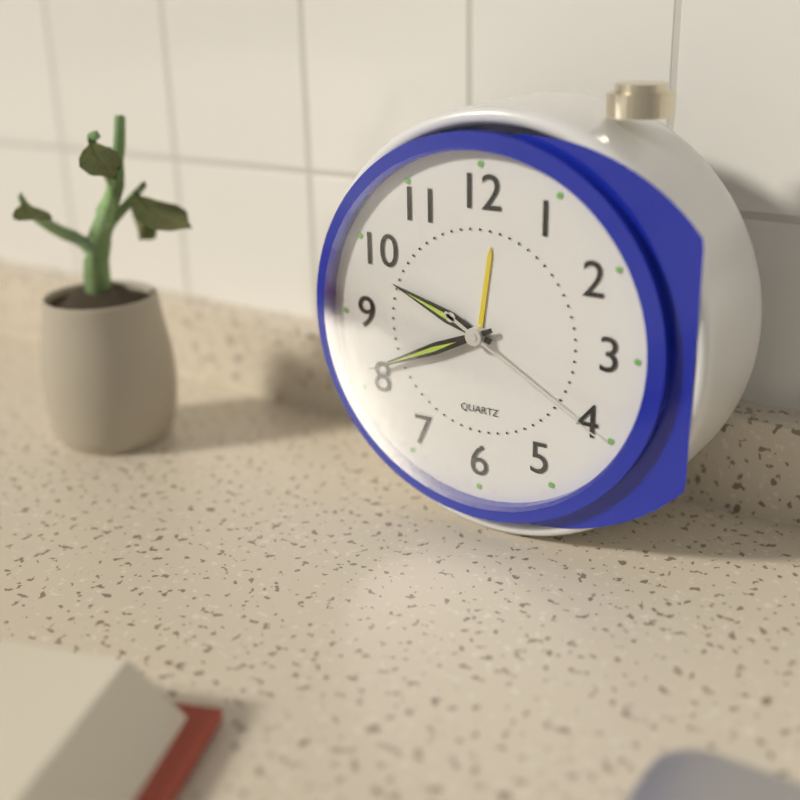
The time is 9h41m20s
